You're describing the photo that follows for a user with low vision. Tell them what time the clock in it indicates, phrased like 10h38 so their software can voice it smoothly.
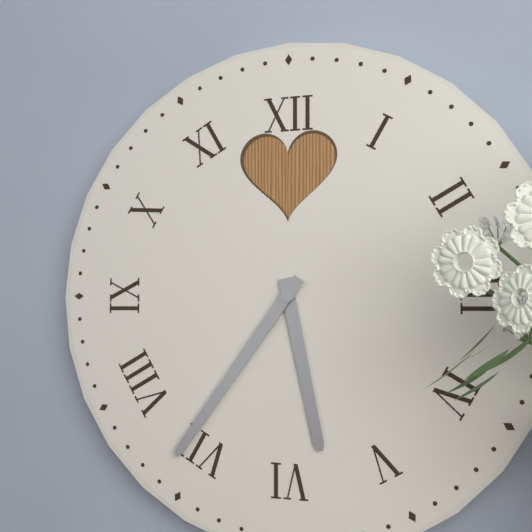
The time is 5h36
